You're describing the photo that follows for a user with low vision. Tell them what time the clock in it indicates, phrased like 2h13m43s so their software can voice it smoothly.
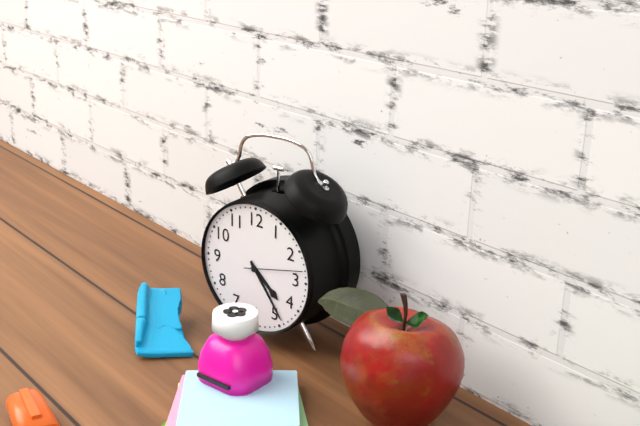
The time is 4h24m13s
